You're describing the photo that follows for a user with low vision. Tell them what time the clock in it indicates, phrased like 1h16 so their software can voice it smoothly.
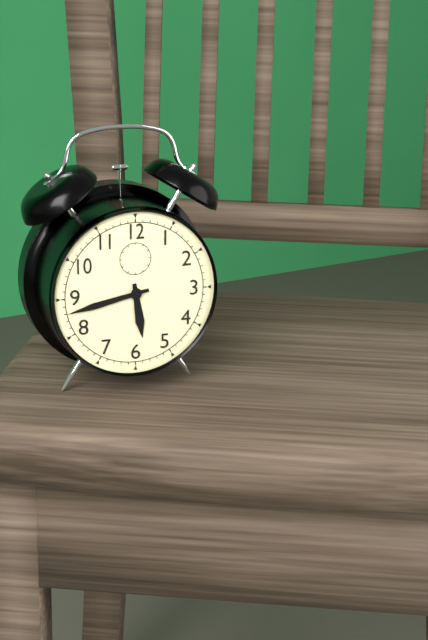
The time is 5h43
